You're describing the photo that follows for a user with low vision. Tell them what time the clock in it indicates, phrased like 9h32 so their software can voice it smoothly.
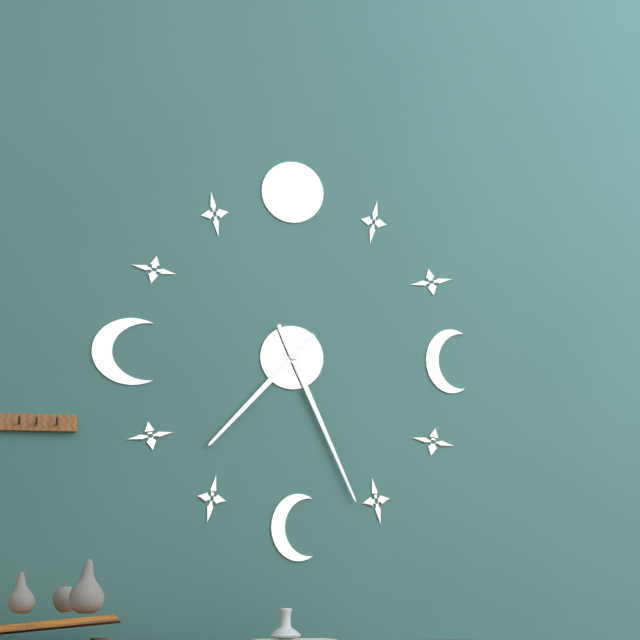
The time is 7h26
